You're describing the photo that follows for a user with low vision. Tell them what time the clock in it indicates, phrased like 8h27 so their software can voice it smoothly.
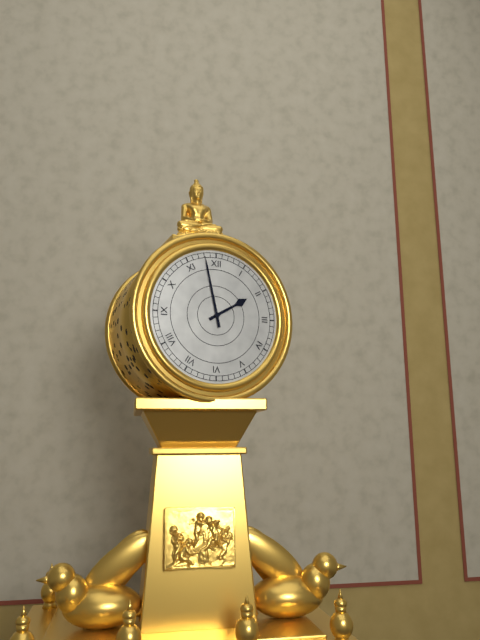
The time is 1h58
